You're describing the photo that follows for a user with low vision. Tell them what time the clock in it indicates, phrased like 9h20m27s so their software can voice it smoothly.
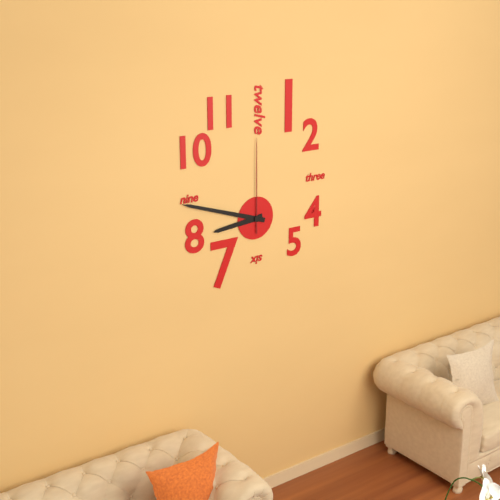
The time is 8h48m00s
